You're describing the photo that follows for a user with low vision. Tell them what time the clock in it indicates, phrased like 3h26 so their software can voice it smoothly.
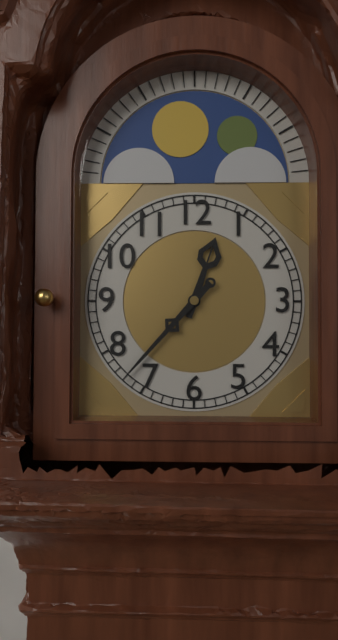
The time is 12h37
